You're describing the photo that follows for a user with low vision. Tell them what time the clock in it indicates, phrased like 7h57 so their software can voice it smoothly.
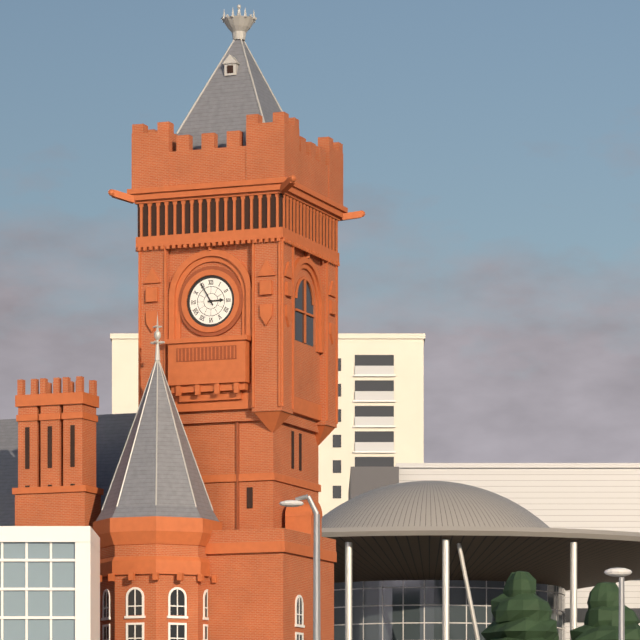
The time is 2h55
